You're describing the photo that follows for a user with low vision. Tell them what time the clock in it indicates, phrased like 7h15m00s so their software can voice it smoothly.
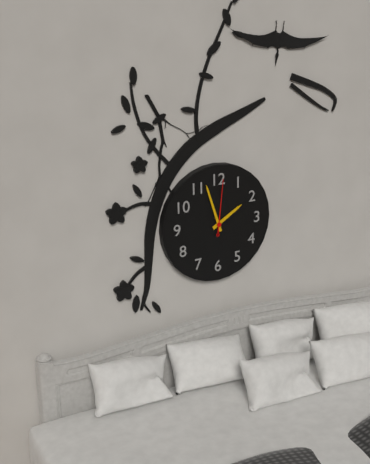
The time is 1h57m01s
